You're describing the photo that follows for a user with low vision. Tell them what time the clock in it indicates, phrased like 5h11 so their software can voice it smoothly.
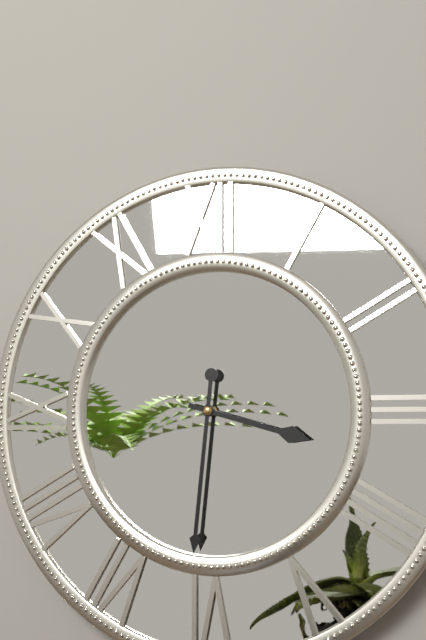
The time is 3h31
